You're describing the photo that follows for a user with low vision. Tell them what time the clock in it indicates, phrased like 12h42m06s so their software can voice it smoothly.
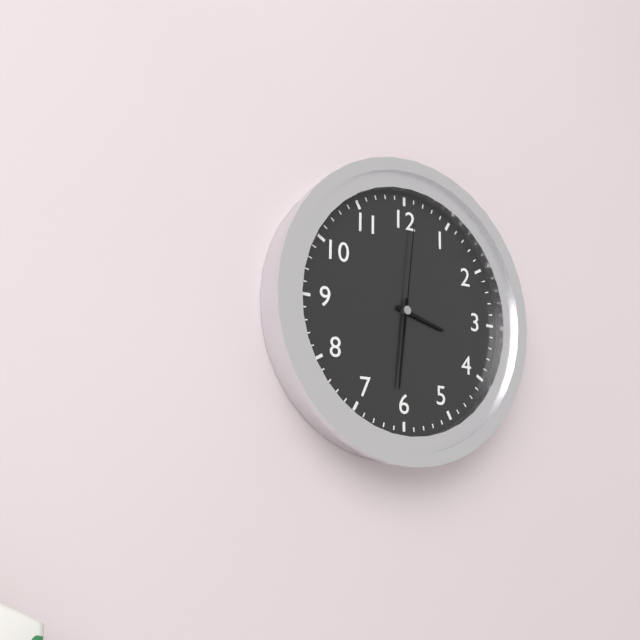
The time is 3h31m01s
